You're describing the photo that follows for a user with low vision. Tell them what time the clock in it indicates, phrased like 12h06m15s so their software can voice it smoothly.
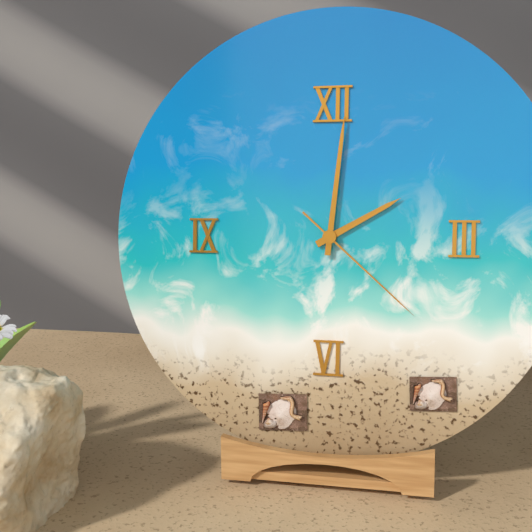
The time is 2h01m22s
